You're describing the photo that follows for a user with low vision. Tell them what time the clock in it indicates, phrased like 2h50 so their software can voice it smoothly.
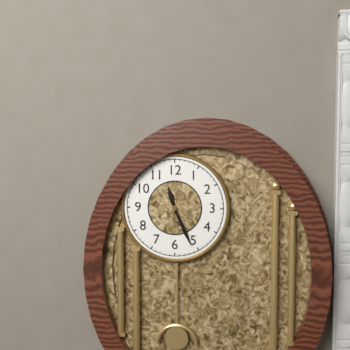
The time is 11h26
